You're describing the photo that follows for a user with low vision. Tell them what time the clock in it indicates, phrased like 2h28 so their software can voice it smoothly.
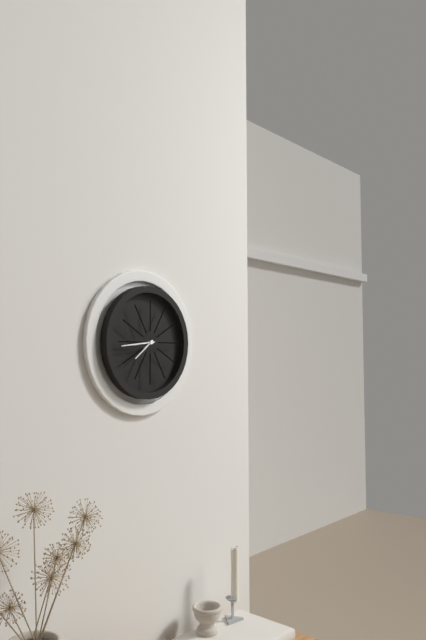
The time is 7h44
